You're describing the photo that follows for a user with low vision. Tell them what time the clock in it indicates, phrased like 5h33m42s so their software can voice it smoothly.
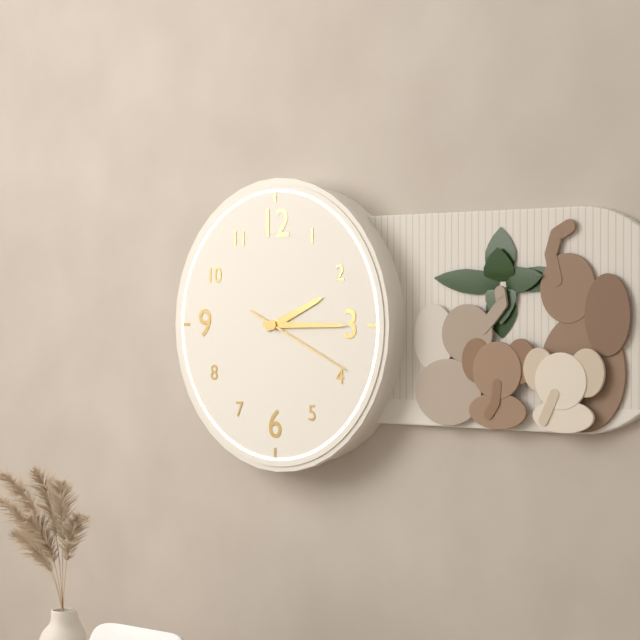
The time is 2h15m19s
